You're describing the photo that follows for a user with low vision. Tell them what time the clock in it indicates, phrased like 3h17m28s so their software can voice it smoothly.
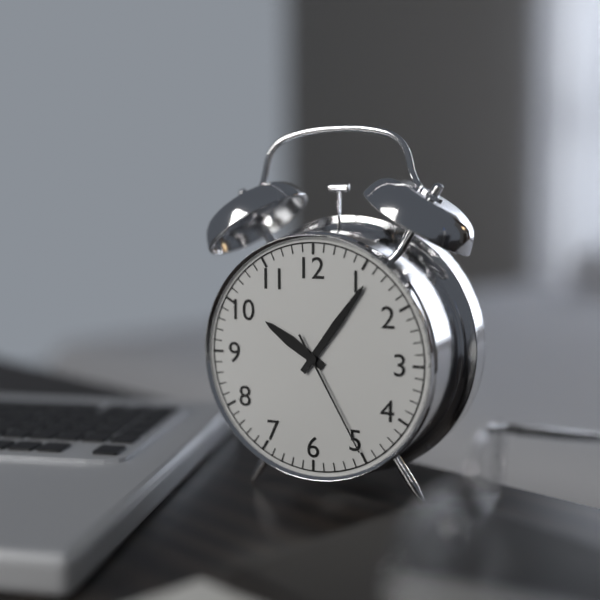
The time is 10h06m25s
